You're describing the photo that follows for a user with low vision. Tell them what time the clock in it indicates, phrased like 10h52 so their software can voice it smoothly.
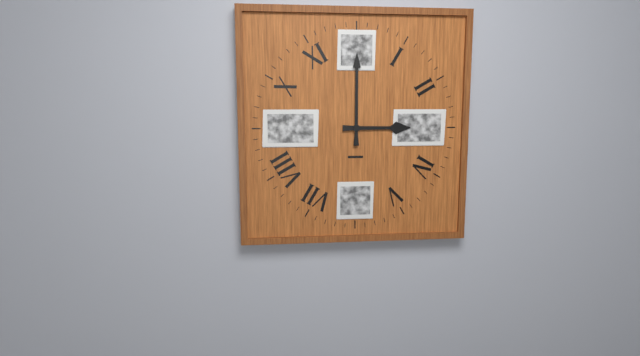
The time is 3h00
